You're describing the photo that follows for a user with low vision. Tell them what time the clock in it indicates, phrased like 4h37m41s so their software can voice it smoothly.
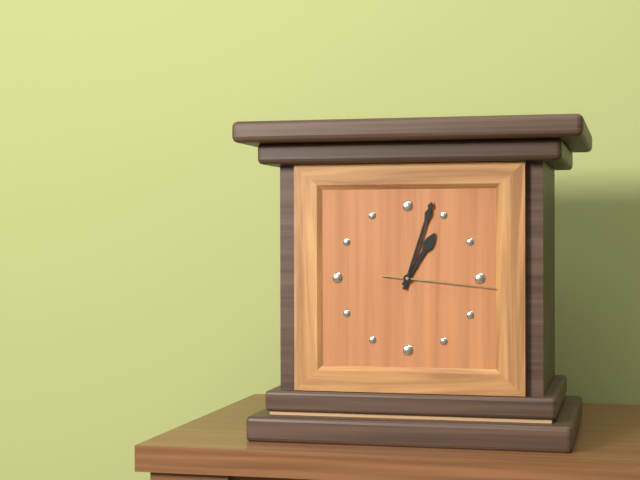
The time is 1h03m16s
